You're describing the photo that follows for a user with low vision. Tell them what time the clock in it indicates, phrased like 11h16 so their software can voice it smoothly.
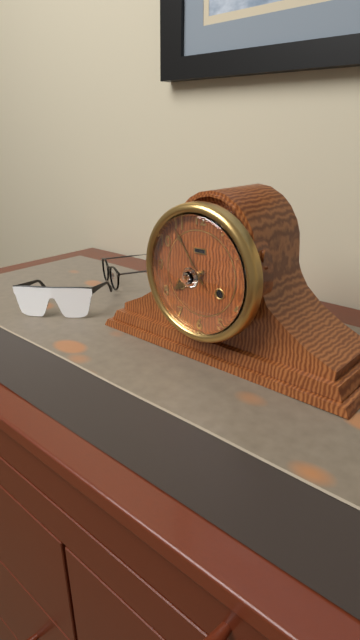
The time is 7h54
